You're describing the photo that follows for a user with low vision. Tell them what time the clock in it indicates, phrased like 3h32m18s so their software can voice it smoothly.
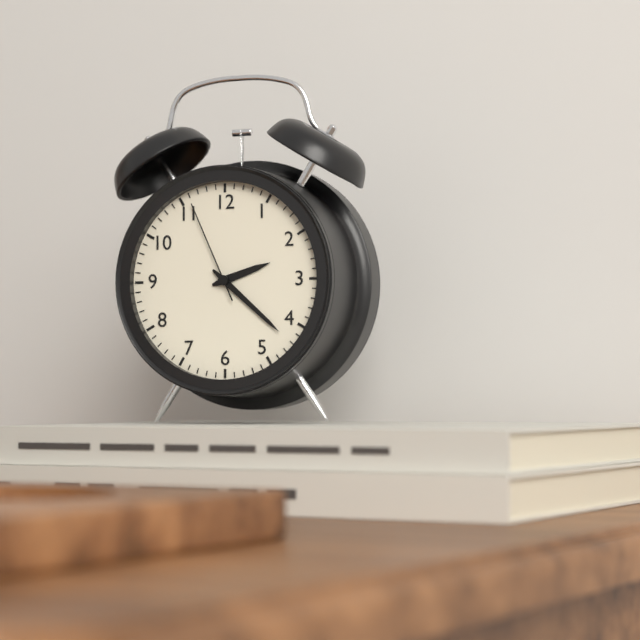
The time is 2h22m56s
